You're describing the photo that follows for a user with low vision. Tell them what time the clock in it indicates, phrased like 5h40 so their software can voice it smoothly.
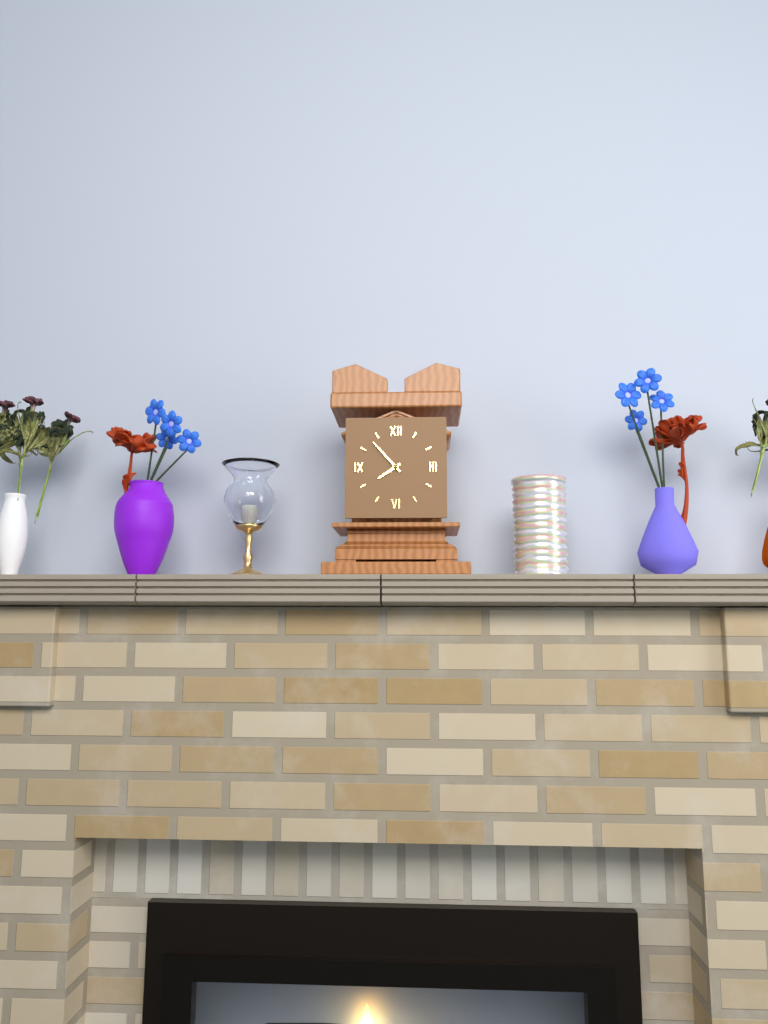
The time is 7h53
